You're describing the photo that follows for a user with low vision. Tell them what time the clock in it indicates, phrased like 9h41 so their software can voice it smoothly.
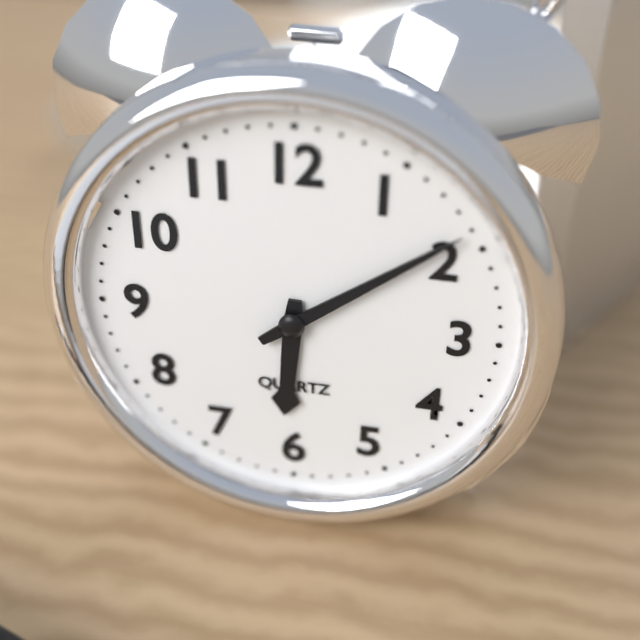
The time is 6h09
